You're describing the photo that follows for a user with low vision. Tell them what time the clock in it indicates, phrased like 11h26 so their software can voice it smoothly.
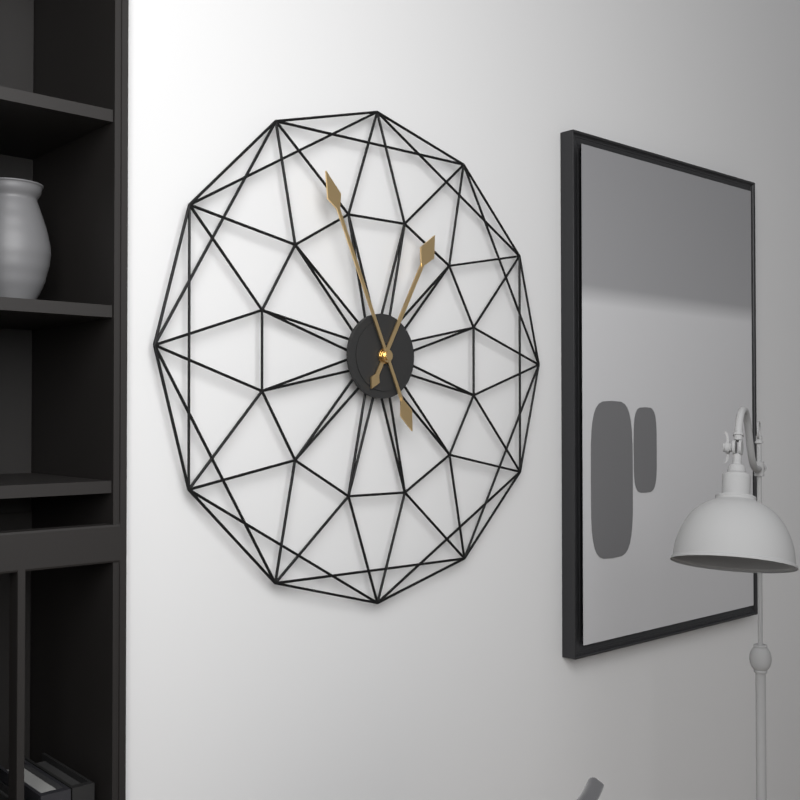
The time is 12h56
